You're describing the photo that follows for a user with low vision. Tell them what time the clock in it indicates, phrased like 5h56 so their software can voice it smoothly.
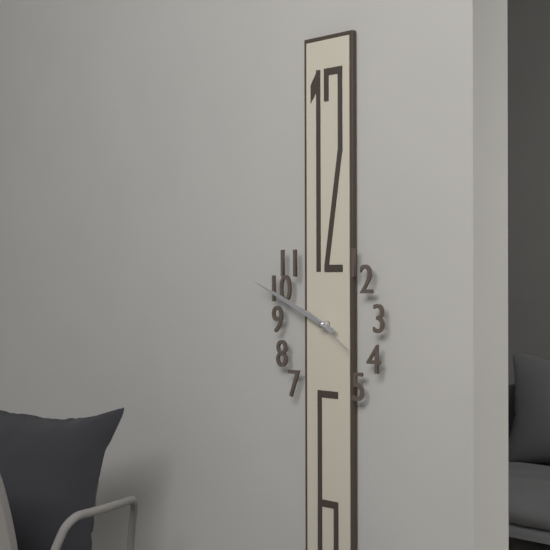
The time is 9h49
